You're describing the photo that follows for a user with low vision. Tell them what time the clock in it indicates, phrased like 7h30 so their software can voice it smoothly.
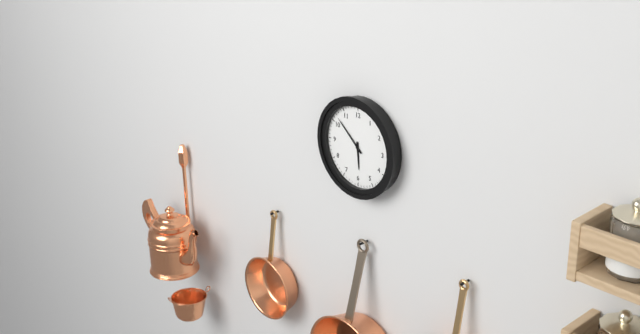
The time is 5h52
